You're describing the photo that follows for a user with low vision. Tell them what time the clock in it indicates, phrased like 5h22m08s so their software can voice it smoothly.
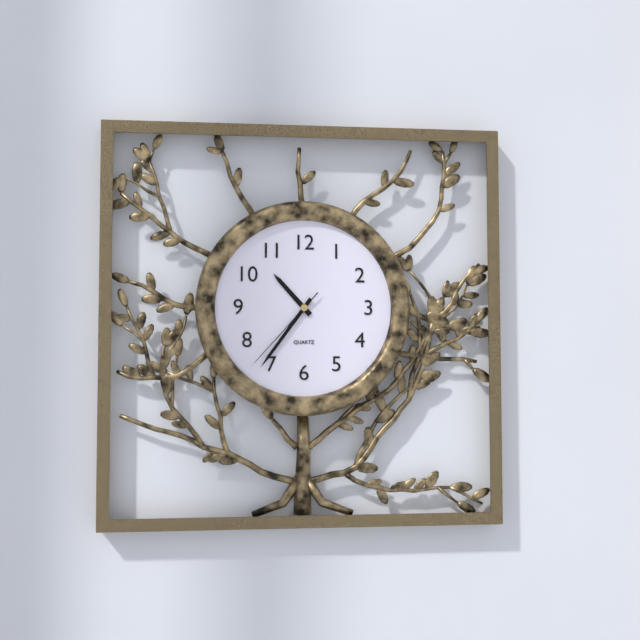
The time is 10h36m37s
